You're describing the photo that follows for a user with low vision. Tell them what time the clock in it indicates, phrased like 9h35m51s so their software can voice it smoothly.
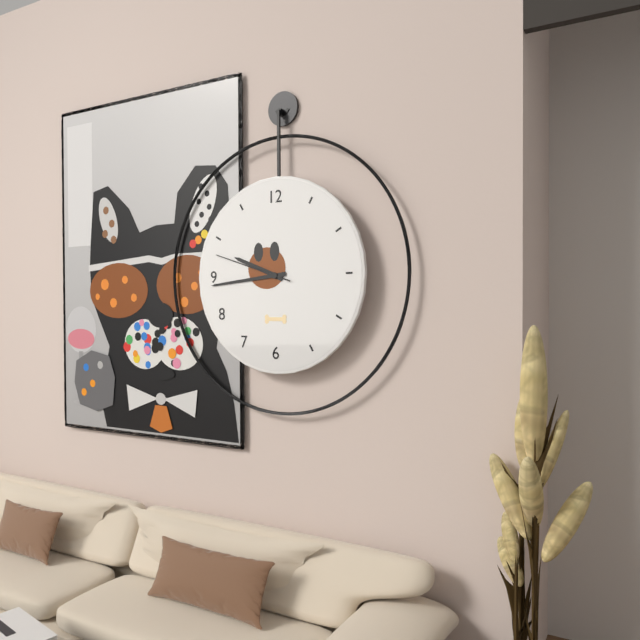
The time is 9h44m48s
